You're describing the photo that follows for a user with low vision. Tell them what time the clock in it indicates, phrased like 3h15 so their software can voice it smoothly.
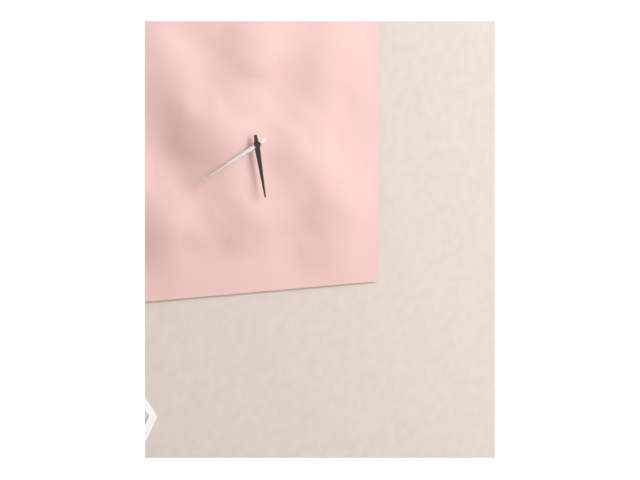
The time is 5h40
